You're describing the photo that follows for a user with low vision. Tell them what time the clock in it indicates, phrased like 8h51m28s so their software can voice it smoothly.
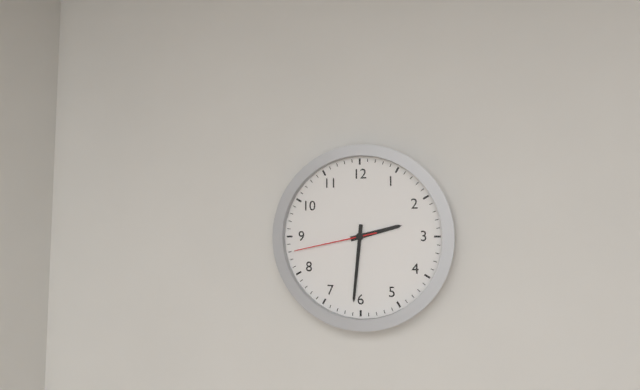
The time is 2h31m43s
